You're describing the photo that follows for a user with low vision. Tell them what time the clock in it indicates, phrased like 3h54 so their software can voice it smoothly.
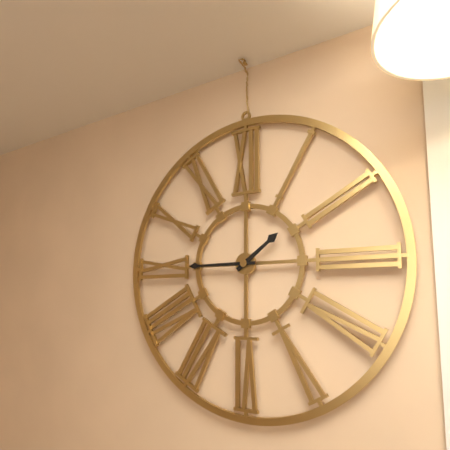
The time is 1h45
